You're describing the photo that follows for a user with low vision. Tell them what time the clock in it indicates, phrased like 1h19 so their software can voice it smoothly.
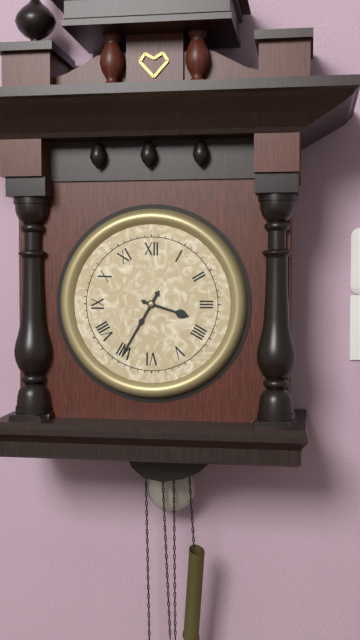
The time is 3h35
